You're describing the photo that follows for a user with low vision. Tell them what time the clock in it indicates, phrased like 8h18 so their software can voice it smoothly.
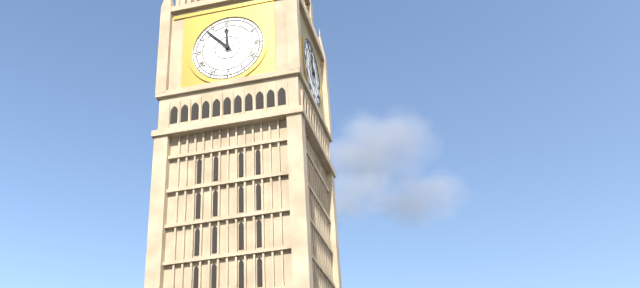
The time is 11h53
